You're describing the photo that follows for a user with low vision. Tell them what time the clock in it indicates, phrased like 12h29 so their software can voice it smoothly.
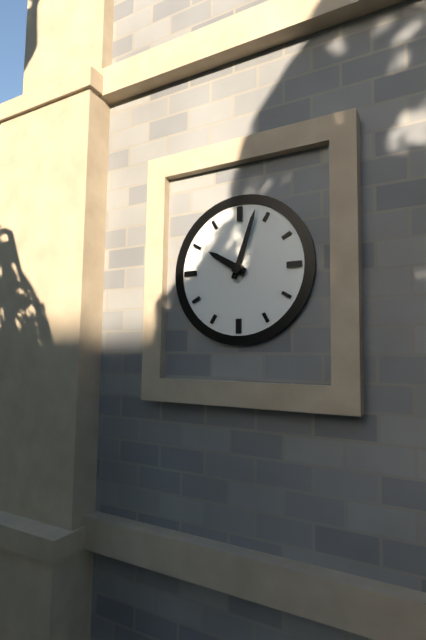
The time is 10h03
